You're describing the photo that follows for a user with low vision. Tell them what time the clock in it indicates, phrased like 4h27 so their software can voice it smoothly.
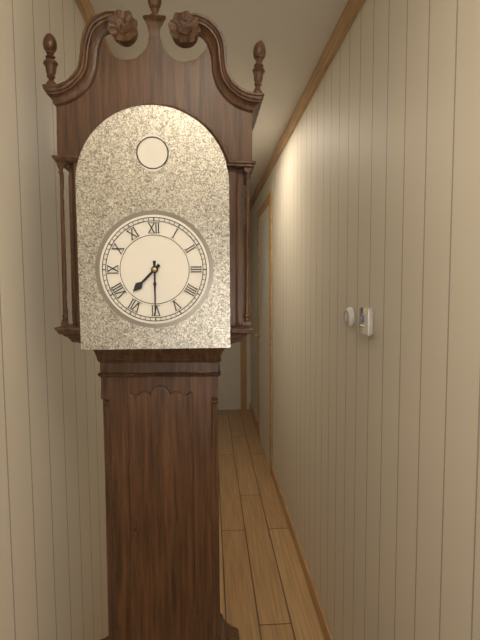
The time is 7h30
